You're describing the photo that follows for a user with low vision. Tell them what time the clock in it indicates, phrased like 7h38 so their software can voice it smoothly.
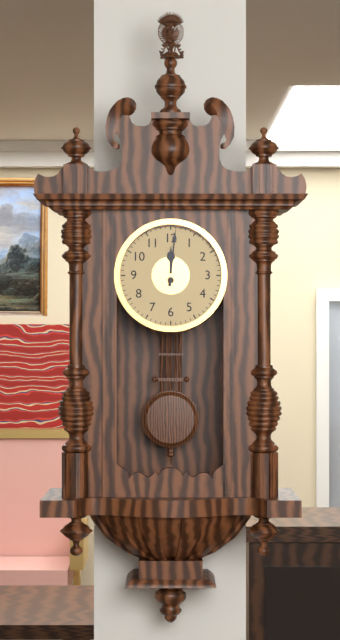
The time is 12h01
